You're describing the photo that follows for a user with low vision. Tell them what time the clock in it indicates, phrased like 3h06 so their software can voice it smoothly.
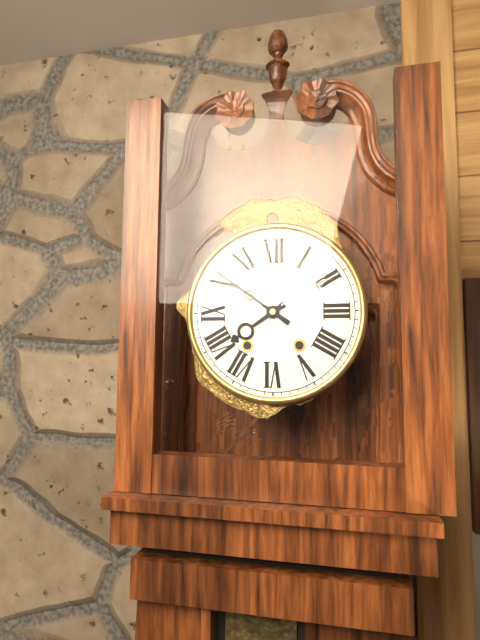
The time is 7h51
